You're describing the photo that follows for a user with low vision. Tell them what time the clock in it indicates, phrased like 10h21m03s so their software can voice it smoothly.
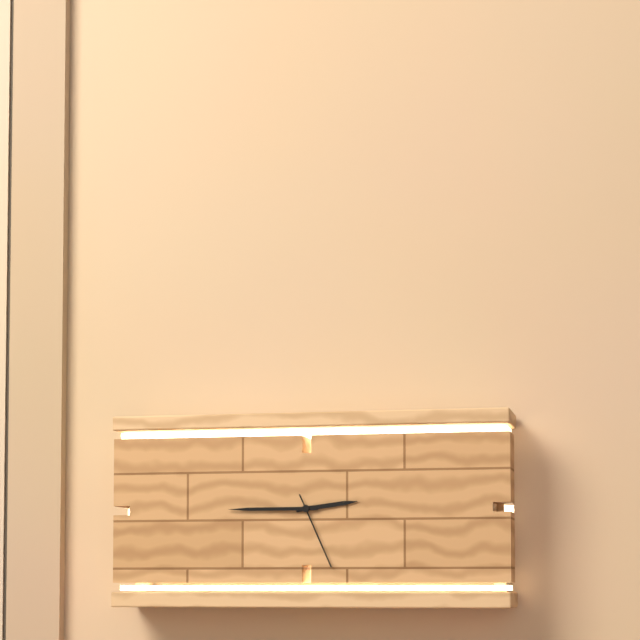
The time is 2h45m26s
